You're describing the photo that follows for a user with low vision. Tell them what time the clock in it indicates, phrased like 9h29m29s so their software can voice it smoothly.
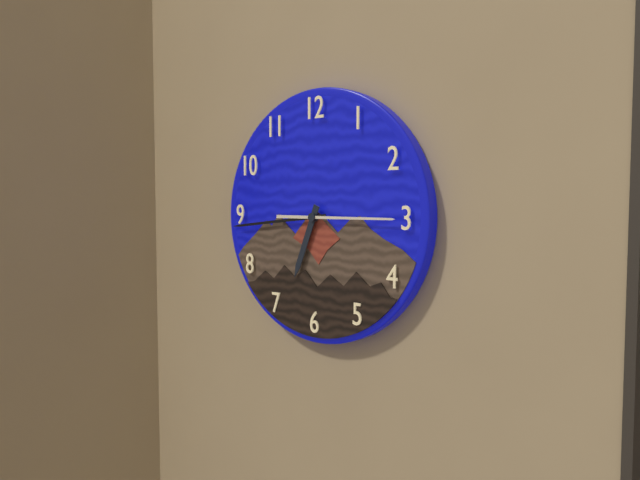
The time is 6h44m15s
